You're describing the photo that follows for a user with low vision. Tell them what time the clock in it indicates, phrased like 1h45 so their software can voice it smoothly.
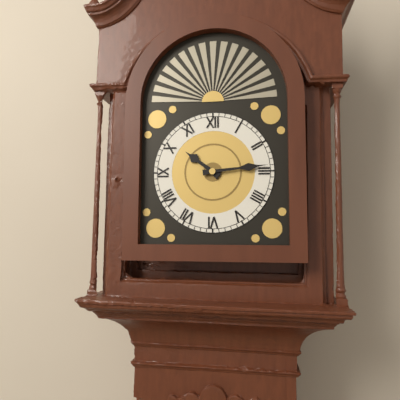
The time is 10h14
